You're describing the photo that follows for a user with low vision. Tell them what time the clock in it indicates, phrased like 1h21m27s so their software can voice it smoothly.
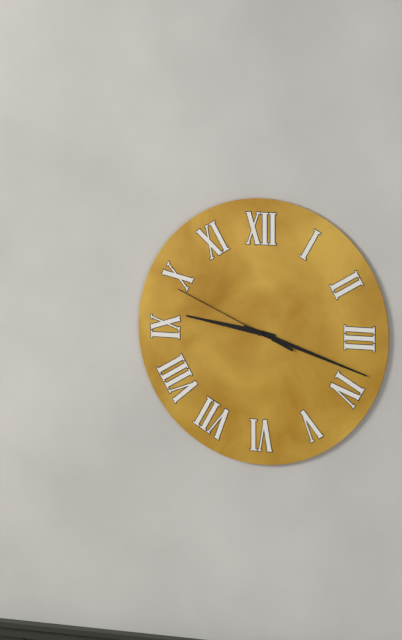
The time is 9h18m49s
